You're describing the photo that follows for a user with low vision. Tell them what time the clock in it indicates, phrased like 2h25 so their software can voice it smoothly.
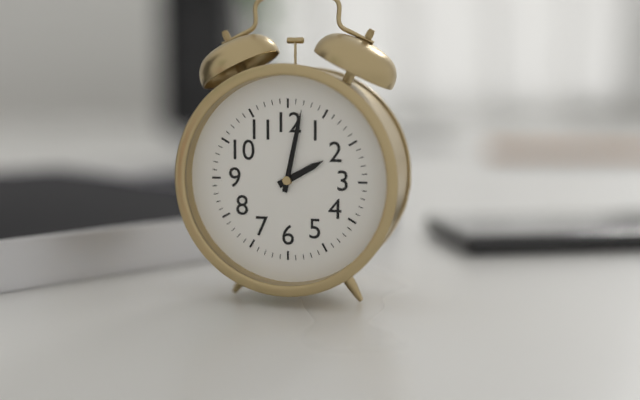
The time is 2h02
